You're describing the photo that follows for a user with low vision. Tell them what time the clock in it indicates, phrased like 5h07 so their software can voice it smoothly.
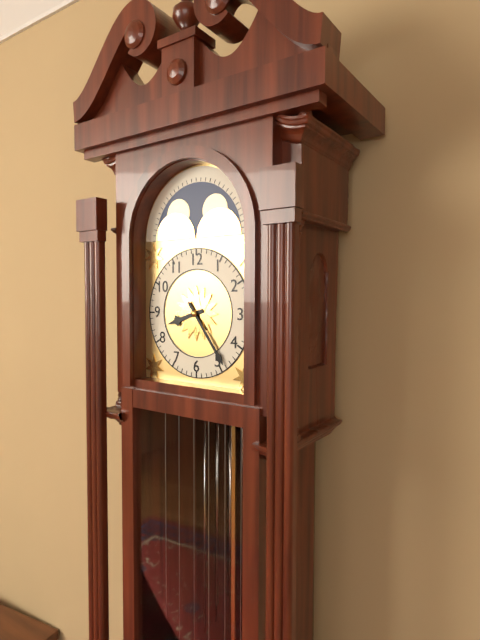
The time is 8h24
